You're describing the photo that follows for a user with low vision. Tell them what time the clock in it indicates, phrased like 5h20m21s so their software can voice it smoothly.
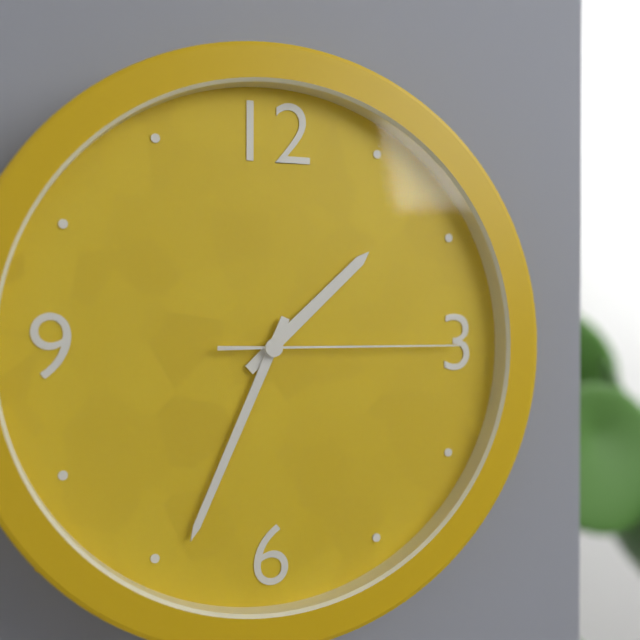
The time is 1h34m15s
